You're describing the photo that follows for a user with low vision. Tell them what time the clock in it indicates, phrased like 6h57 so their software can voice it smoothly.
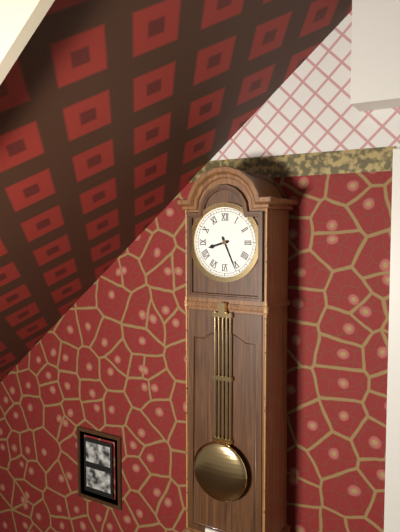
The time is 8h26
